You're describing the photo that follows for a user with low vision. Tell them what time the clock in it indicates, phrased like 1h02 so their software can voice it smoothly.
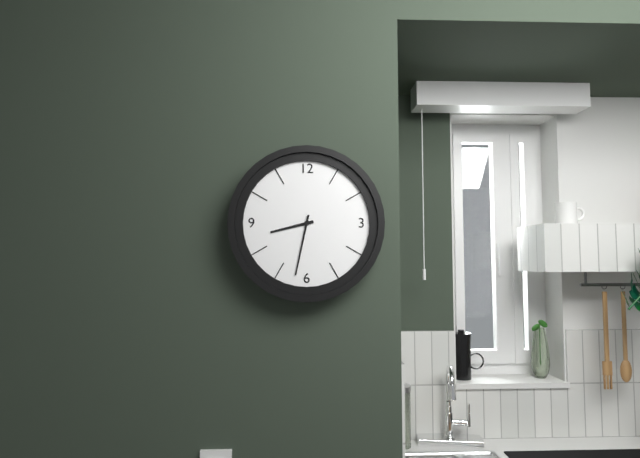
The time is 8h32
